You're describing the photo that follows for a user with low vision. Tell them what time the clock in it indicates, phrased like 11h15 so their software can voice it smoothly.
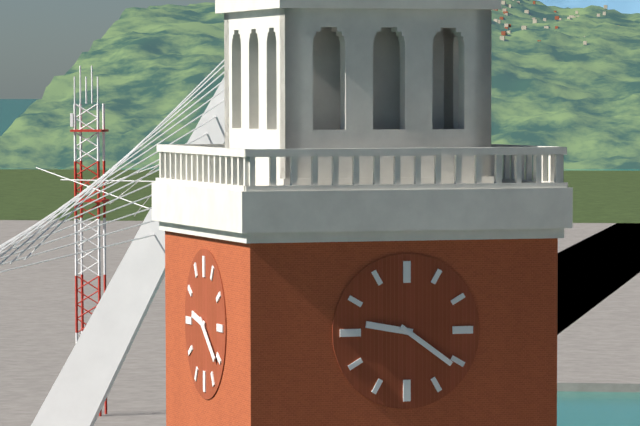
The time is 9h21
